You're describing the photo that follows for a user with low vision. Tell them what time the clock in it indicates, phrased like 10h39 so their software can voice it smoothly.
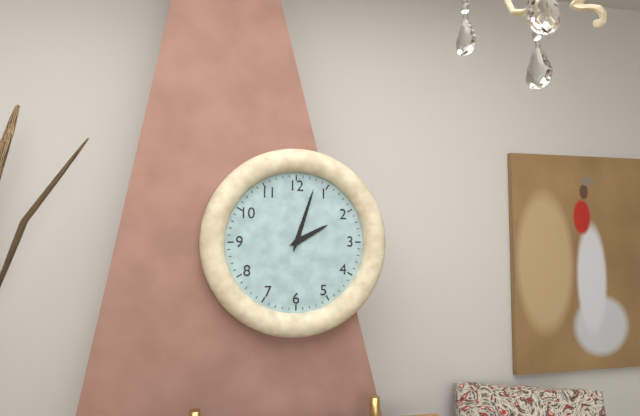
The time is 2h03
